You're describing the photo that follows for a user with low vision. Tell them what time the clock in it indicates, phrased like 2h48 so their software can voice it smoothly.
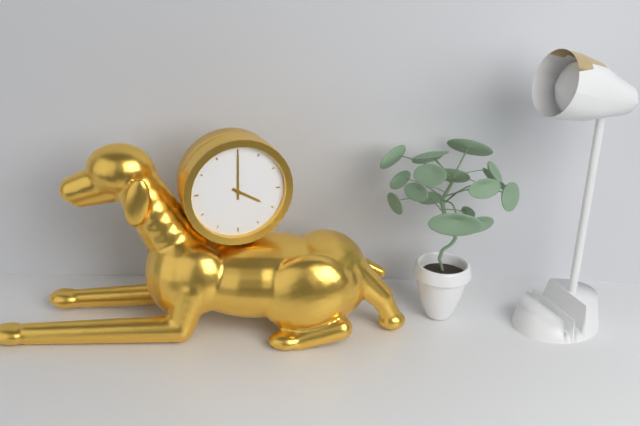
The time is 4h00
